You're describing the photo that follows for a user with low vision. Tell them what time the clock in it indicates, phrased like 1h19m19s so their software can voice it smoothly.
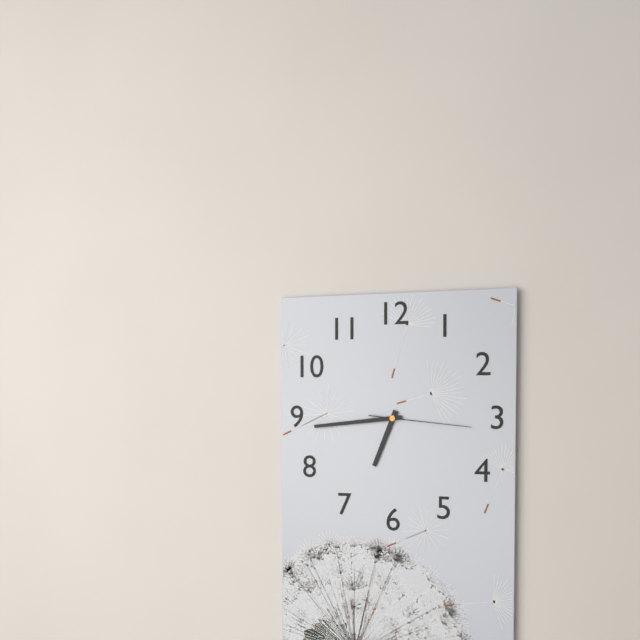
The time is 6h44m16s
